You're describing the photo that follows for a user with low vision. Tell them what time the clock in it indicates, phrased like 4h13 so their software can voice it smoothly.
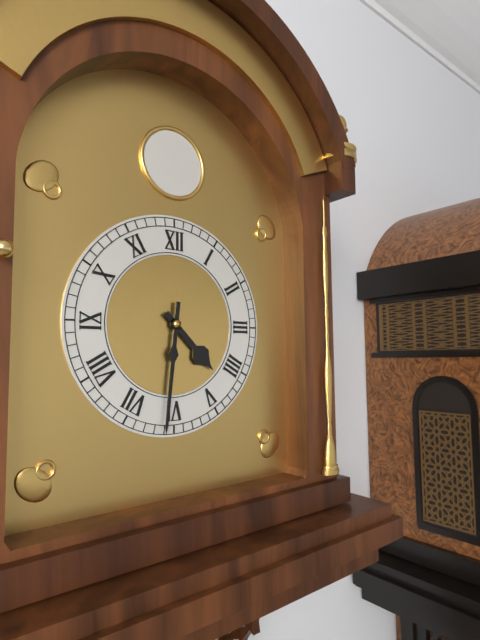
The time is 4h31
